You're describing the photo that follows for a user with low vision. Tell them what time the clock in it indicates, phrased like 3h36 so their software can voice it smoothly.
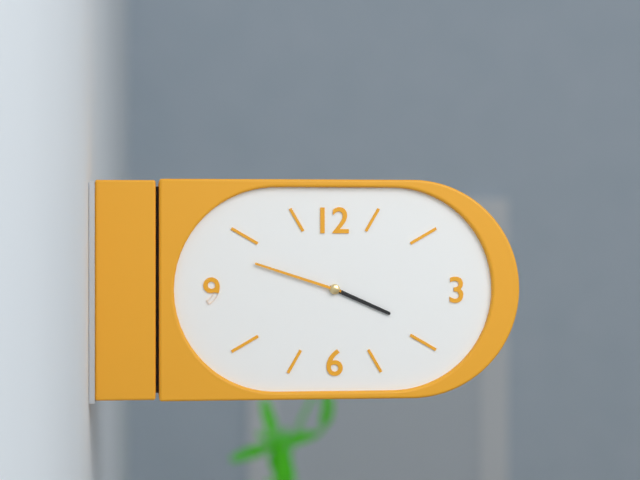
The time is 3h48
